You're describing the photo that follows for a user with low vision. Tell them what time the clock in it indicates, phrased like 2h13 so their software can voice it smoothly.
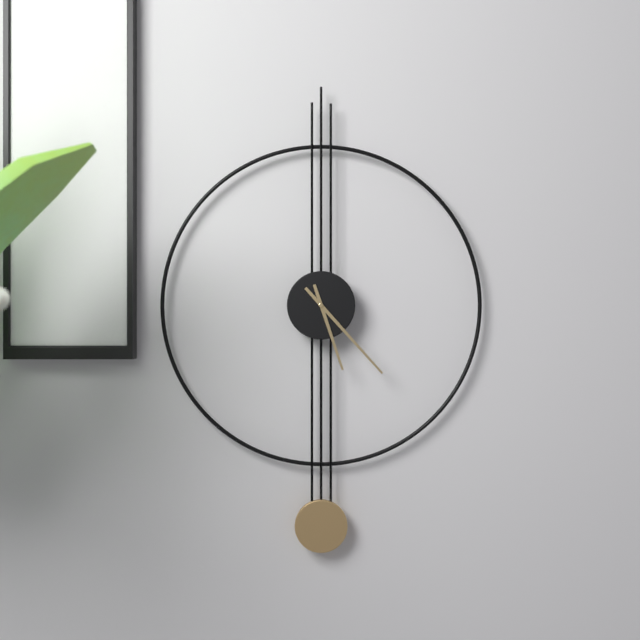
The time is 5h23
